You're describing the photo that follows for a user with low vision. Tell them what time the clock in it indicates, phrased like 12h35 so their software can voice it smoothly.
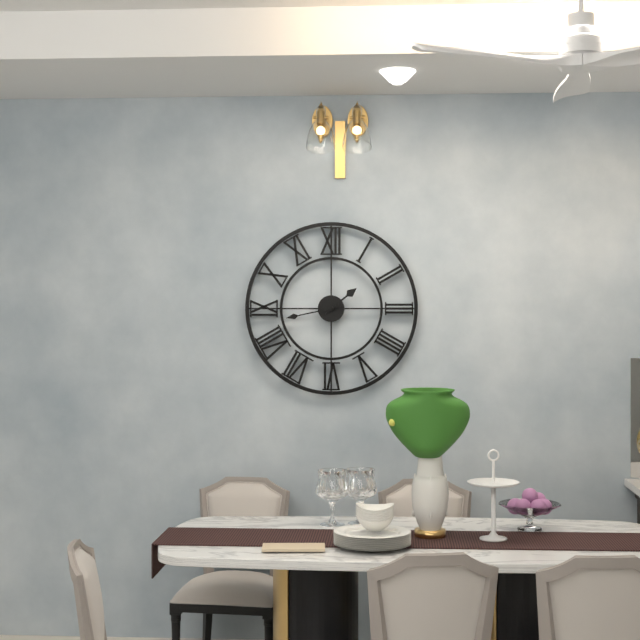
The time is 1h43
